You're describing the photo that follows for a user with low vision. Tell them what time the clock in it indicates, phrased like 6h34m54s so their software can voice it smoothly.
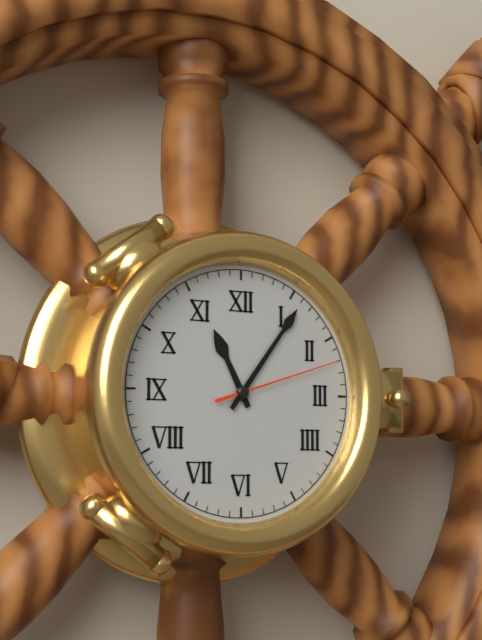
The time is 11h06m12s
